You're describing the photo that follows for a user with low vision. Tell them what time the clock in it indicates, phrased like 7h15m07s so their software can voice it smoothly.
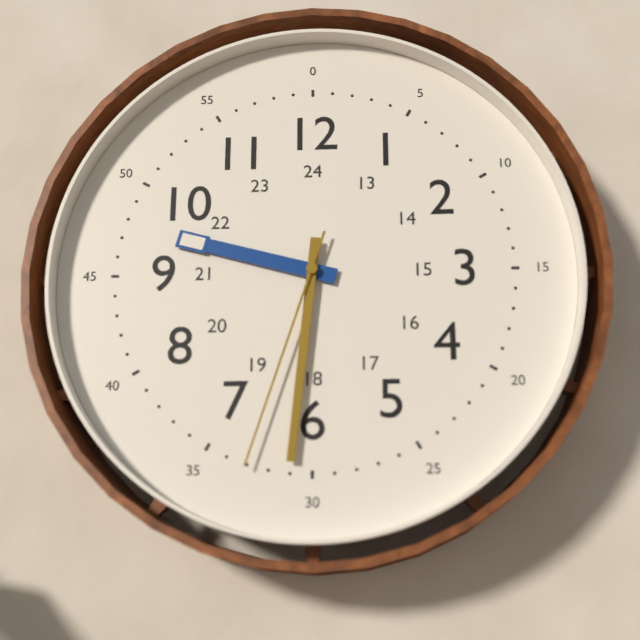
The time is 9h31m33s
